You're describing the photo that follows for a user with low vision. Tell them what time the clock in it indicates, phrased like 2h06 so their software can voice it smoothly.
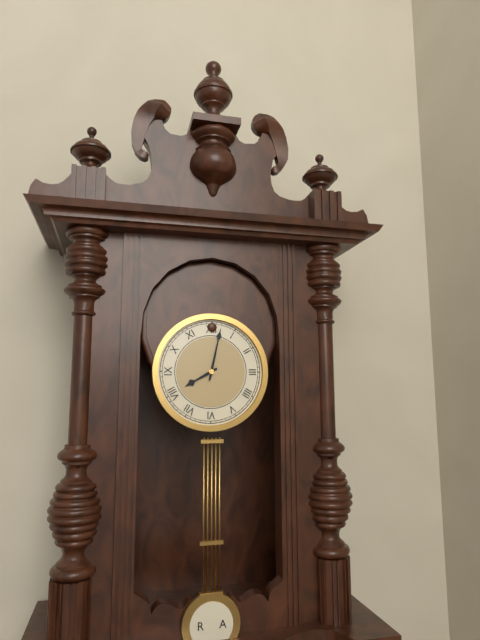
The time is 8h02
